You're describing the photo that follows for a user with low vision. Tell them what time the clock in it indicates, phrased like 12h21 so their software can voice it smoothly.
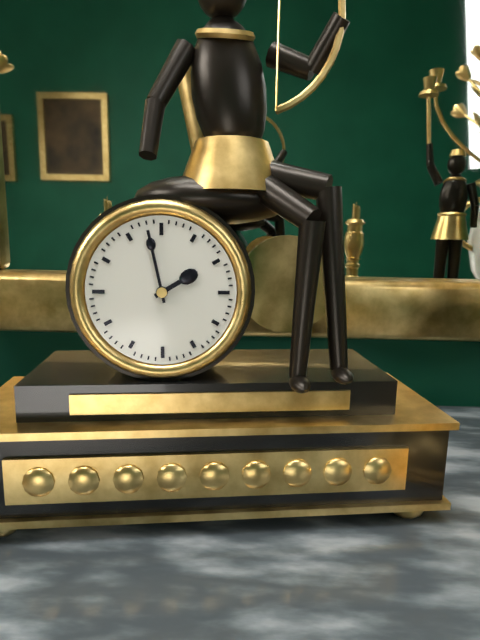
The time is 1h58
